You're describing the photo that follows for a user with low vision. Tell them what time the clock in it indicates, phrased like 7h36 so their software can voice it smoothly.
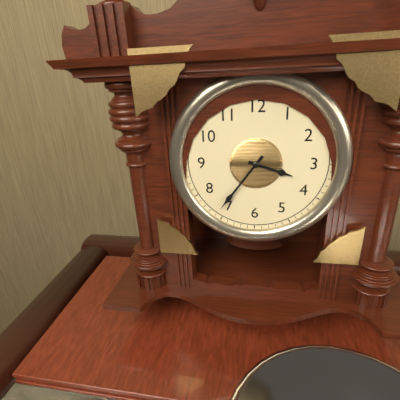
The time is 3h36
